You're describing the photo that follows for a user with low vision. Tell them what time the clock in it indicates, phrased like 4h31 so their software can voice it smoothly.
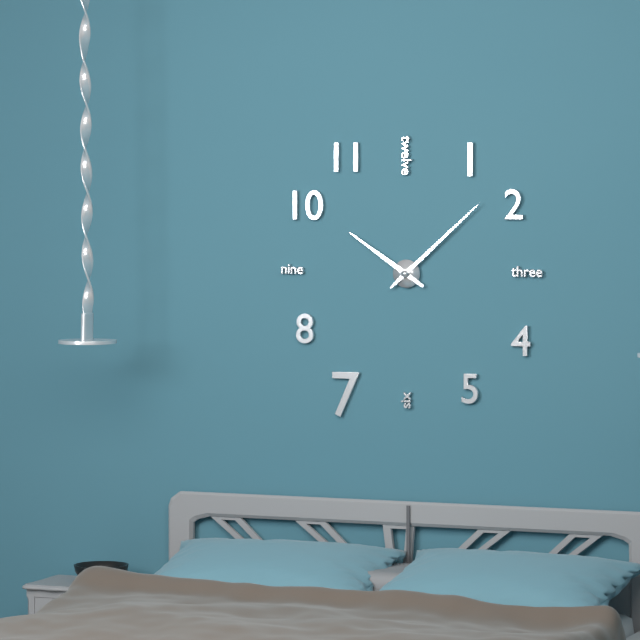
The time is 10h08
